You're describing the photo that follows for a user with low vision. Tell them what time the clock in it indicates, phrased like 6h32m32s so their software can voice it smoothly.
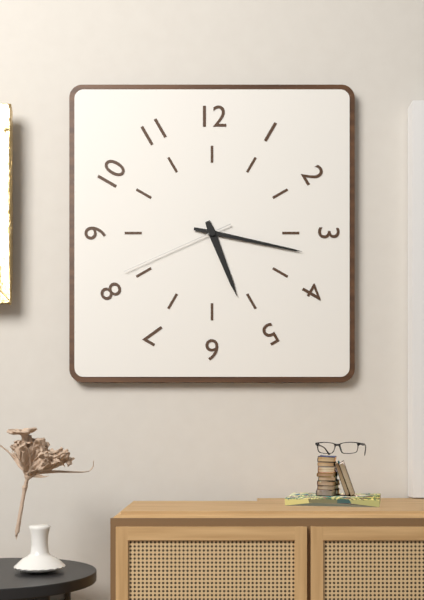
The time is 5h17m41s
